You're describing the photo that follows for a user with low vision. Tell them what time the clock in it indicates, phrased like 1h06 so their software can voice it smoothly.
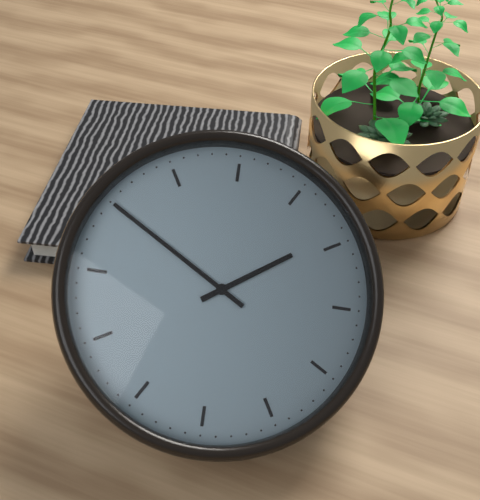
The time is 1h50
